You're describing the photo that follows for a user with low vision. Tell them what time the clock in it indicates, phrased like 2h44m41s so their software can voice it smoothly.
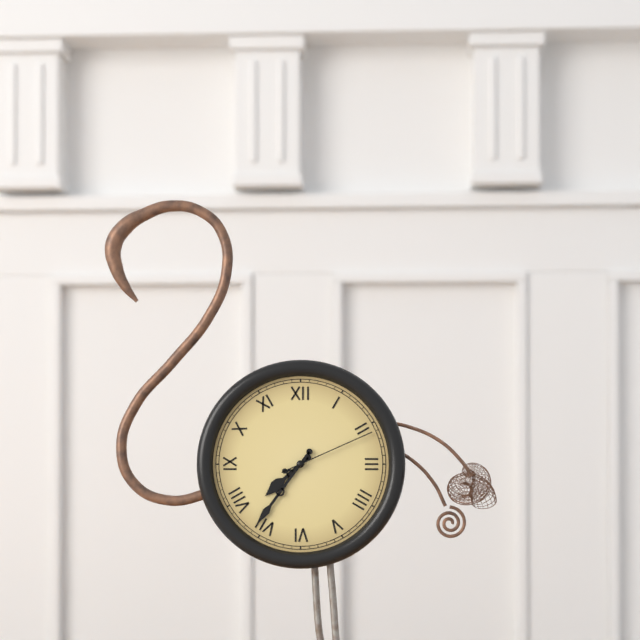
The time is 7h36m11s
